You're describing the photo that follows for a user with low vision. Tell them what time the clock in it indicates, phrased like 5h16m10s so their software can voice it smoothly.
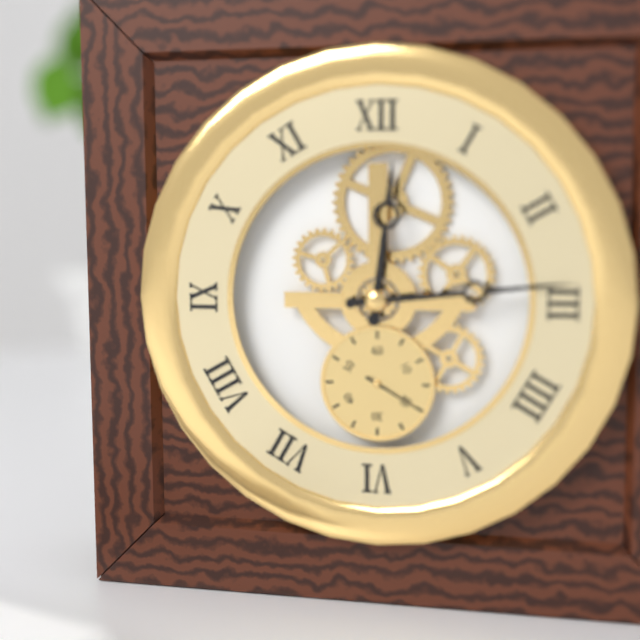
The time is 12h14m20s
